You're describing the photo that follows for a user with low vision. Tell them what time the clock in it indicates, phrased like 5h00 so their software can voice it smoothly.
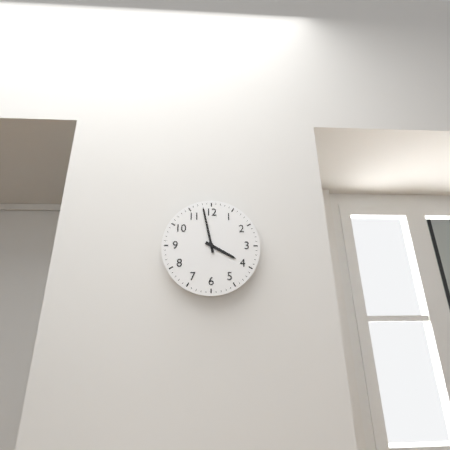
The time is 3h58
